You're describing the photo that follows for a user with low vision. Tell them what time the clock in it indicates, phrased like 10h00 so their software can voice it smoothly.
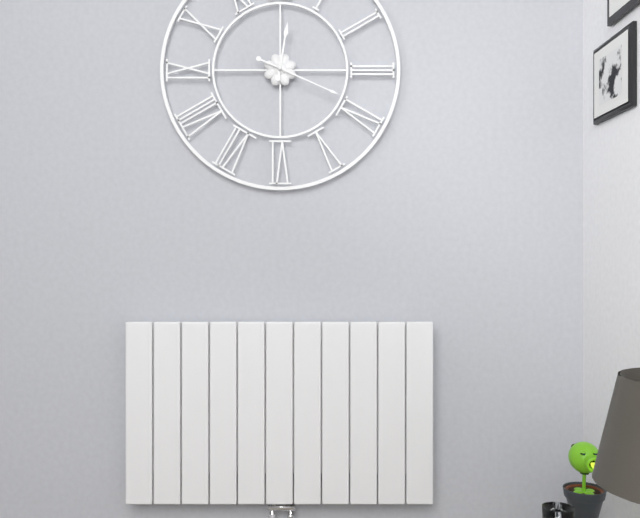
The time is 12h19
